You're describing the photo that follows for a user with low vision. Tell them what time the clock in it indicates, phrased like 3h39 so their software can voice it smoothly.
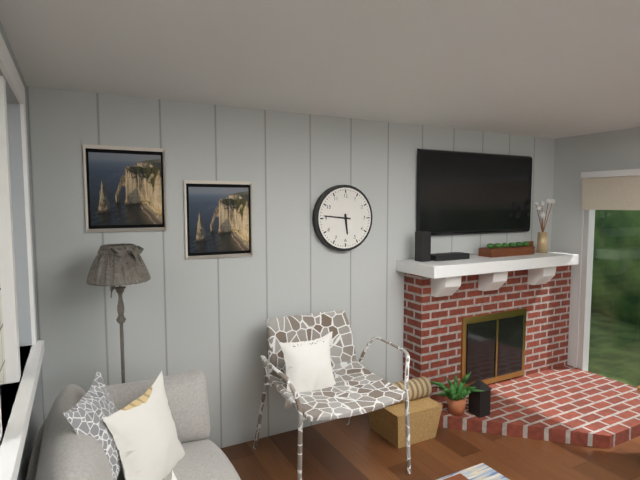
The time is 5h46
